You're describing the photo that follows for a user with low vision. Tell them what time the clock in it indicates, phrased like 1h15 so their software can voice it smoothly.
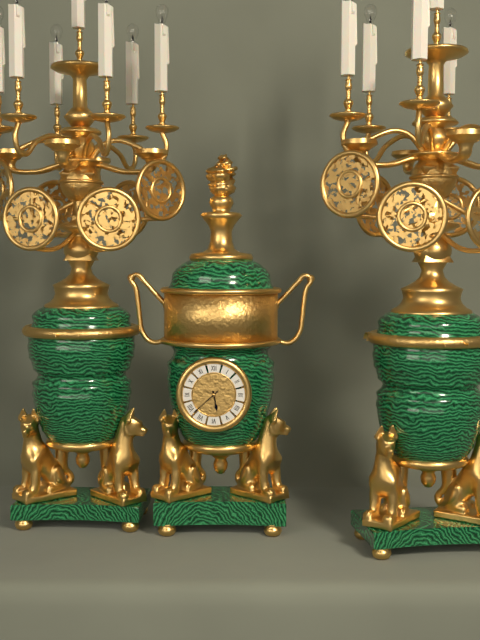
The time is 5h38
